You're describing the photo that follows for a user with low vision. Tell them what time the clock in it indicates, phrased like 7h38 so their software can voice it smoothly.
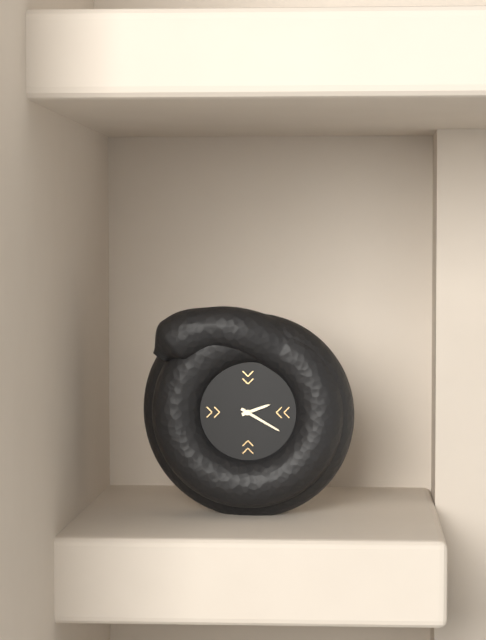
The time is 2h20
